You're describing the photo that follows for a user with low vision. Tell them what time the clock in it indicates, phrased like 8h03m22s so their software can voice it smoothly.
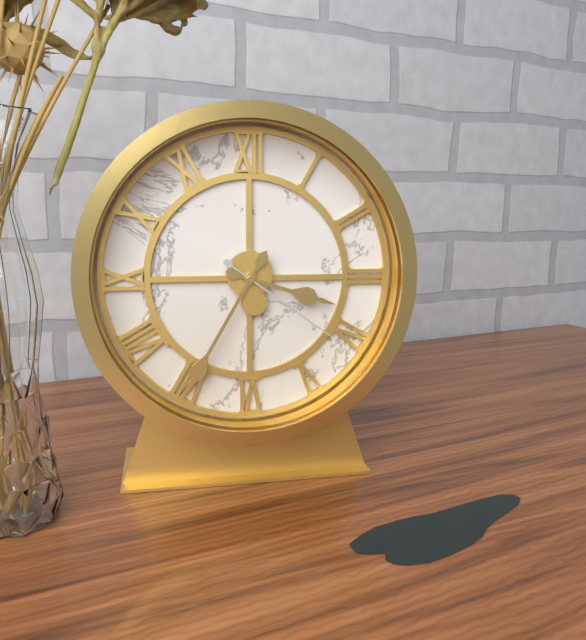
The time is 3h35m21s
